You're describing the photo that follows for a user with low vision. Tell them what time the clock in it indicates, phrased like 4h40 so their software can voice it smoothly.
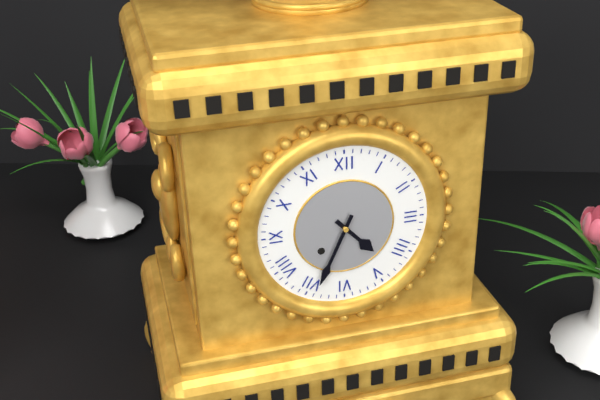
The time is 4h34
